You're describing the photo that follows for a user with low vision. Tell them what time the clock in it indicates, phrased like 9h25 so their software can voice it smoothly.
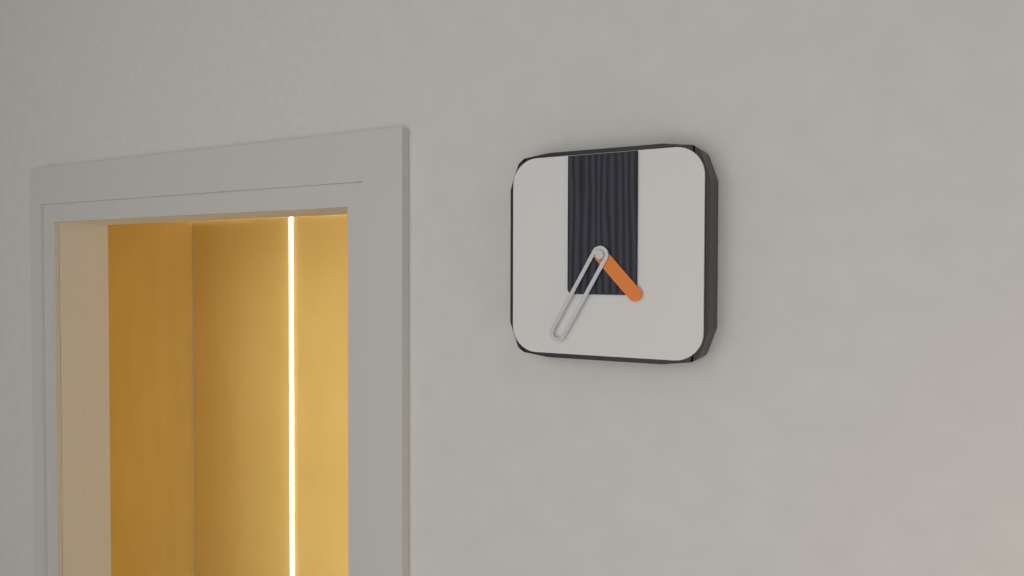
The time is 4h35
